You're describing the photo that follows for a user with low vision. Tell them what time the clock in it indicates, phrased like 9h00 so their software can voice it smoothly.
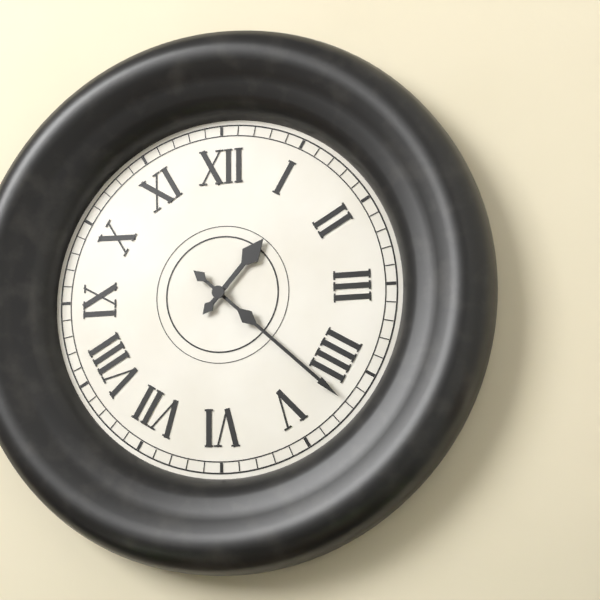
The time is 1h22
